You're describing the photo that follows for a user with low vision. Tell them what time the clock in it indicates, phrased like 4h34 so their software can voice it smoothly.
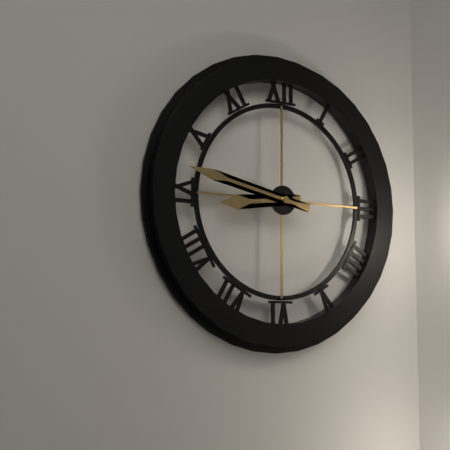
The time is 8h47
